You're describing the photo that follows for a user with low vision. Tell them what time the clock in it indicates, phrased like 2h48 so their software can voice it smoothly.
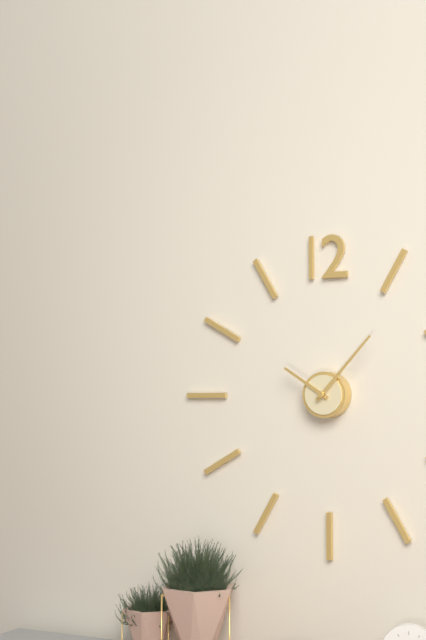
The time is 10h07
